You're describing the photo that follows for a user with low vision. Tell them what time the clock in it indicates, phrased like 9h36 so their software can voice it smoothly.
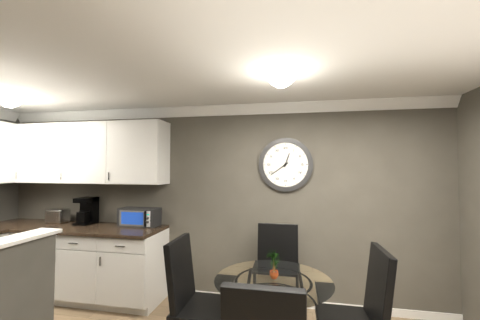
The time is 12h39
